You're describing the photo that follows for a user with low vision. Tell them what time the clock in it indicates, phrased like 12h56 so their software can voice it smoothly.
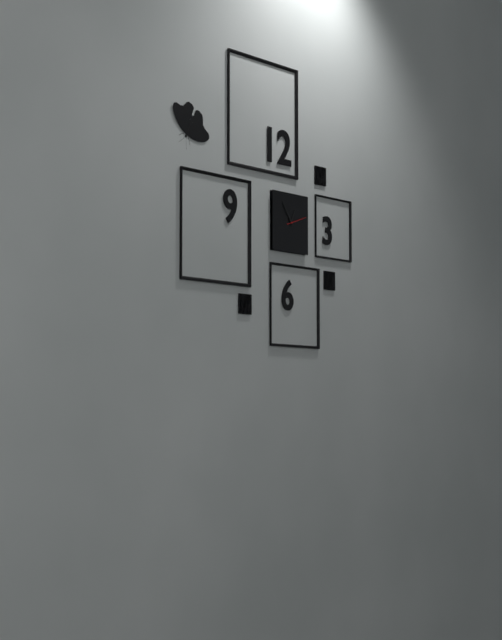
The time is 12h54
